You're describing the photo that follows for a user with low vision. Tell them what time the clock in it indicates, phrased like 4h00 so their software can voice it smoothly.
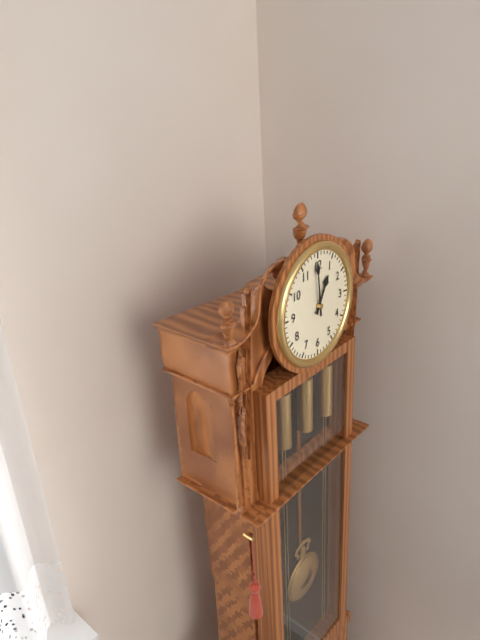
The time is 12h59
